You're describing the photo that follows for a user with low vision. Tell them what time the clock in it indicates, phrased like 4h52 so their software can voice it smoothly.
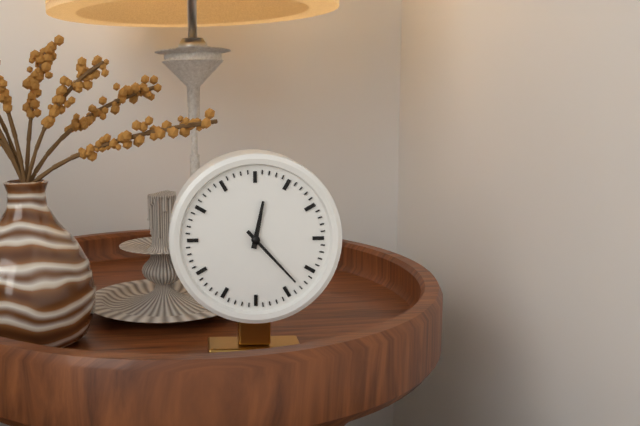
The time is 12h23
